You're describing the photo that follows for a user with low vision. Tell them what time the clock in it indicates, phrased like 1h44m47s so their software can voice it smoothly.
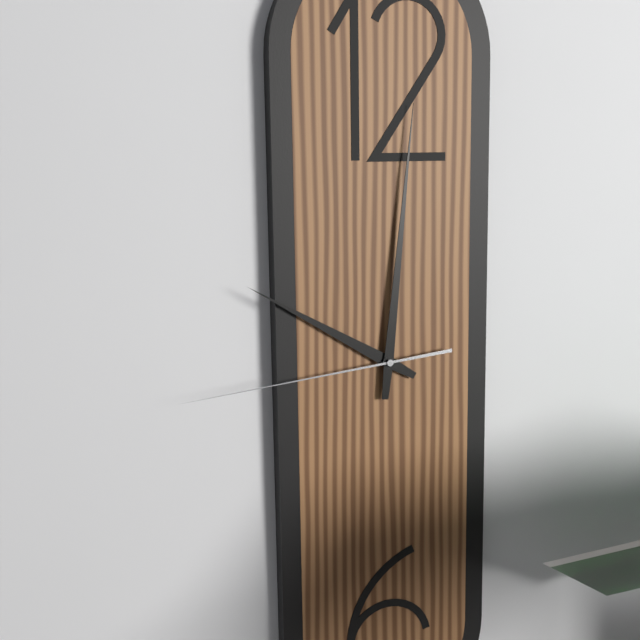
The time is 10h01m44s
